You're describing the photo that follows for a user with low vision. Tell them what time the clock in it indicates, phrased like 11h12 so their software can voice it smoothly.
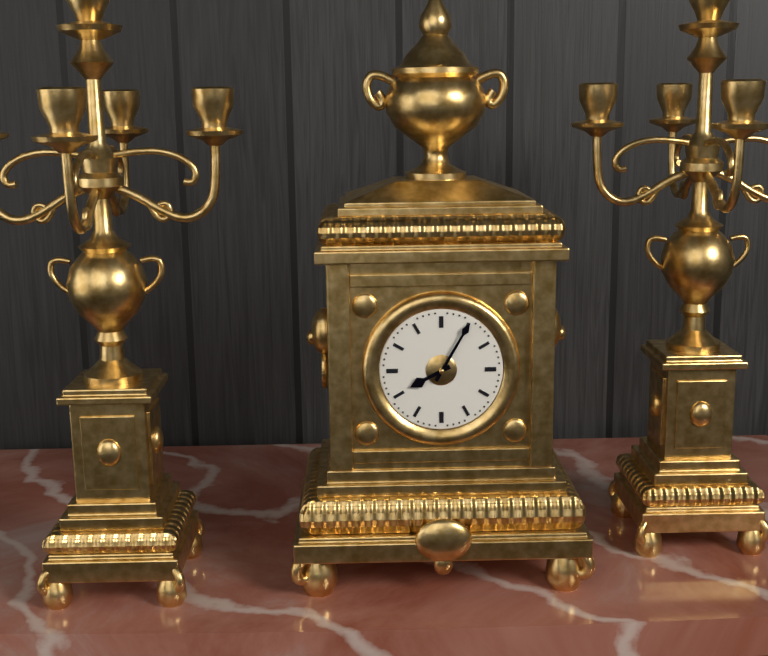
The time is 8h05
